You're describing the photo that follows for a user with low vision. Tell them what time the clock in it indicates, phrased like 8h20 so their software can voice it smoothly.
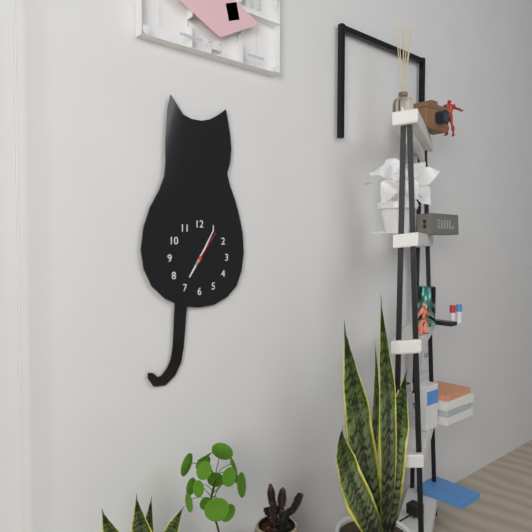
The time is 7h05
